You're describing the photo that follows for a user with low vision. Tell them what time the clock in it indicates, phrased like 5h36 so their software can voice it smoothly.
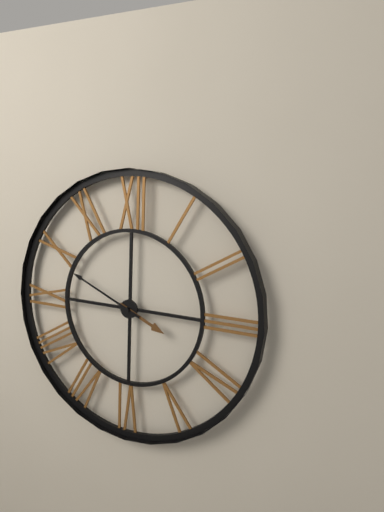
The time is 3h49
